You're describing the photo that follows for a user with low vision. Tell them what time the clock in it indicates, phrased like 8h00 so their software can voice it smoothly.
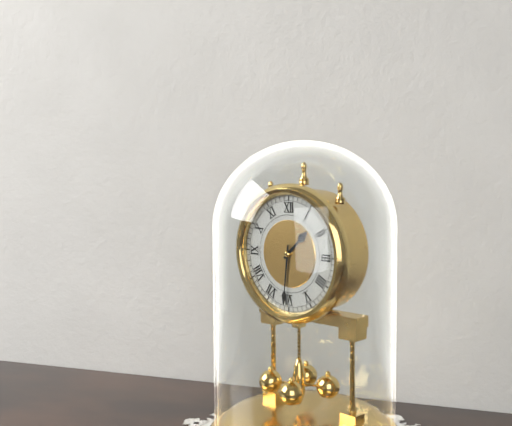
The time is 1h31
